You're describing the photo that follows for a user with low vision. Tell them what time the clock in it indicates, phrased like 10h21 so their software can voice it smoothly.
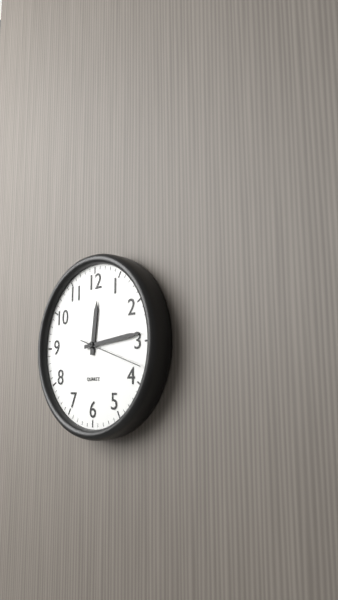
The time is 12h14
